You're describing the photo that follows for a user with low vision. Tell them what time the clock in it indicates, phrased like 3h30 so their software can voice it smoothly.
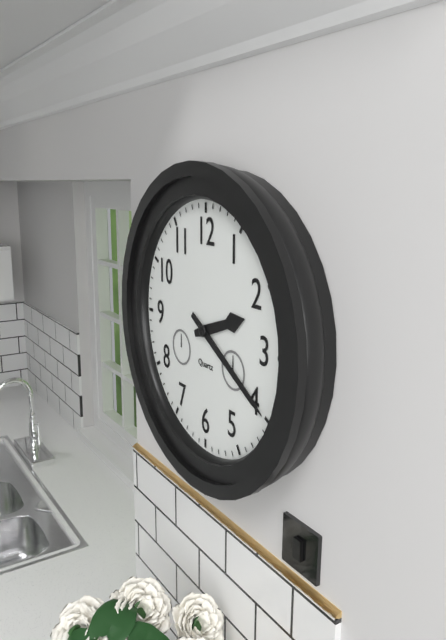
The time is 2h20
